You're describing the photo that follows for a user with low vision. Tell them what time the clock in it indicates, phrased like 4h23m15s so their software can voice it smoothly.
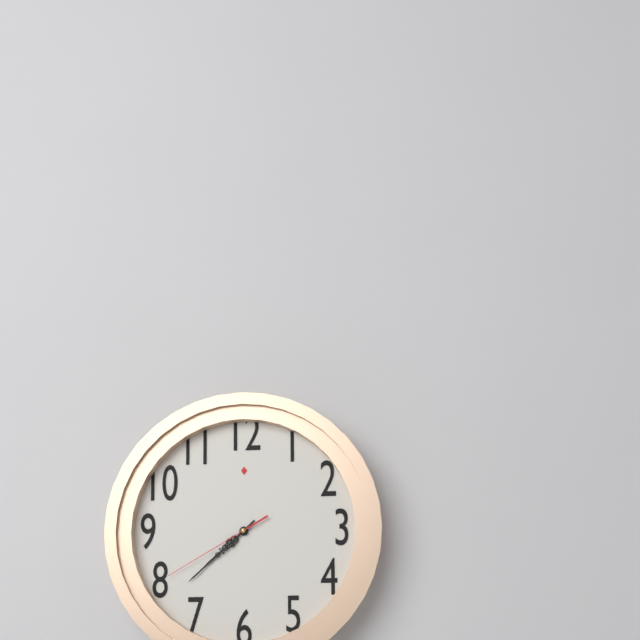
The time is 7h38m40s
